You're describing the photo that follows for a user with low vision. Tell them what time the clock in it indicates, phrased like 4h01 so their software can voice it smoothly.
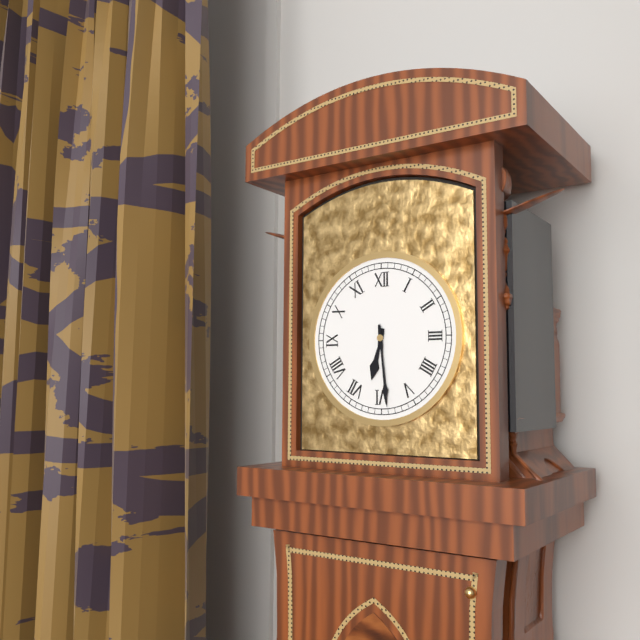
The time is 6h29
